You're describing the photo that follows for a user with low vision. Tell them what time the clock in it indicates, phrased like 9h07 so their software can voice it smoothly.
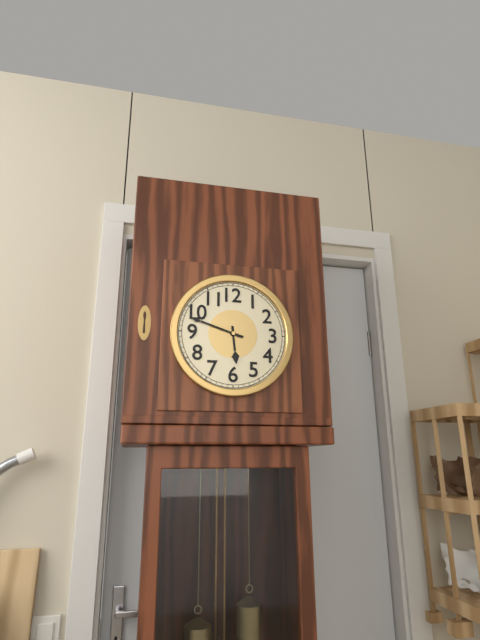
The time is 5h48
